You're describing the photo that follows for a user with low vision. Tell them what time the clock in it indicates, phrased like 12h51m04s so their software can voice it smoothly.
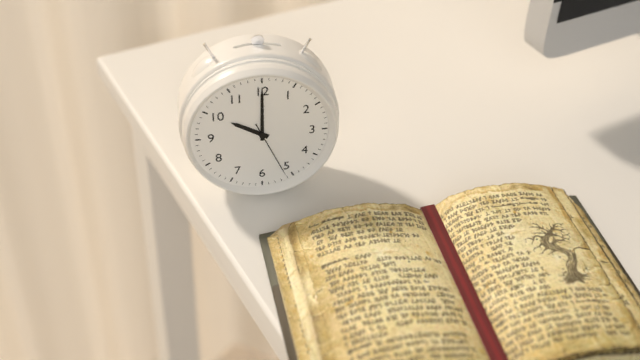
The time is 10h00m26s
